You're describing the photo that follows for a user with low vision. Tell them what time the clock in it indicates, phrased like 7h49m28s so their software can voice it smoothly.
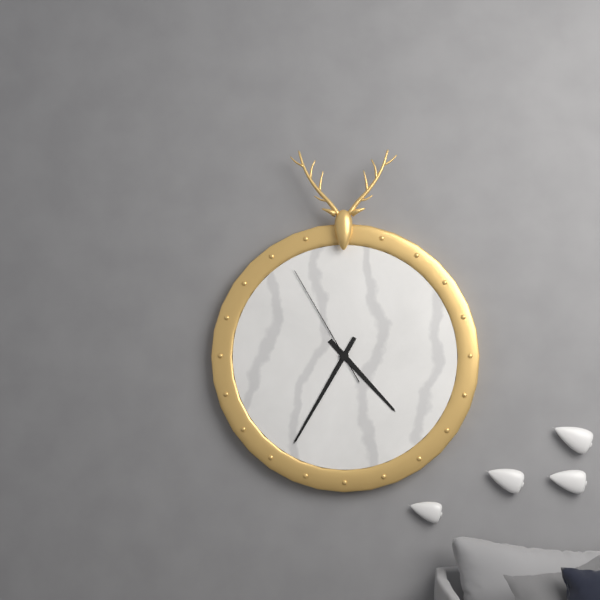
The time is 4h35m55s
